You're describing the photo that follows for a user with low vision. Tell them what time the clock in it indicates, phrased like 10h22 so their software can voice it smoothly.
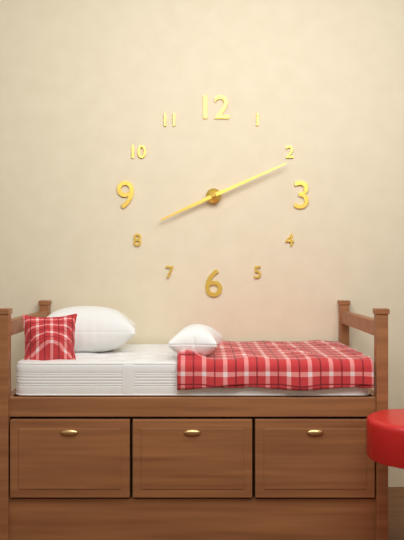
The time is 8h11
